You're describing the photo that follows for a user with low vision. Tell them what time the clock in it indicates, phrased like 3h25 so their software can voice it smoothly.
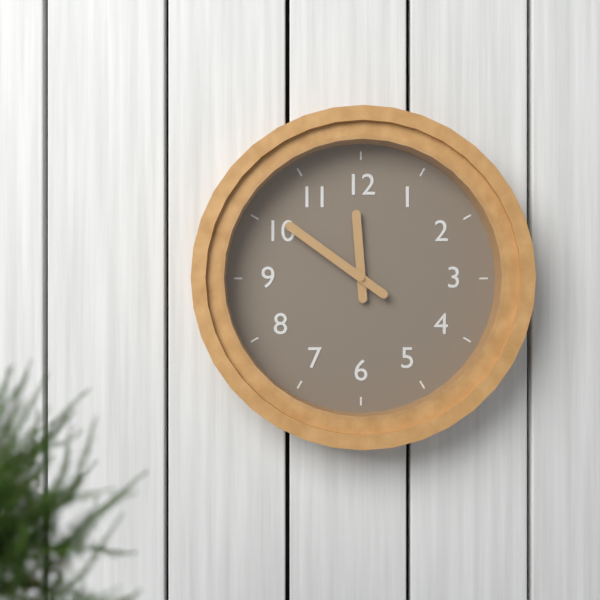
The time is 11h51
